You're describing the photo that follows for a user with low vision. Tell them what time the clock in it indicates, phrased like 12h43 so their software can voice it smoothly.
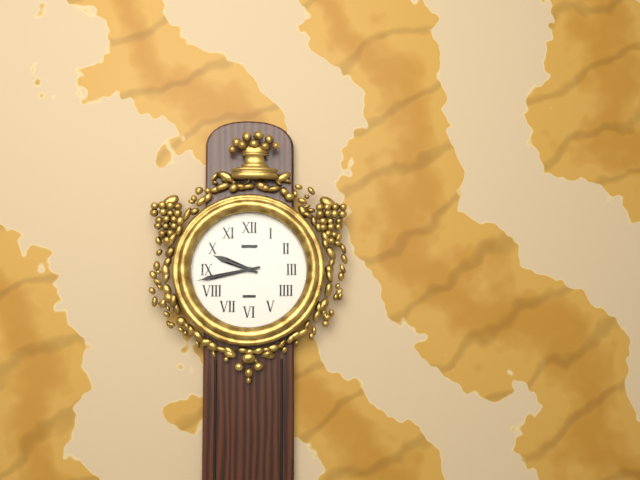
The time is 9h43
